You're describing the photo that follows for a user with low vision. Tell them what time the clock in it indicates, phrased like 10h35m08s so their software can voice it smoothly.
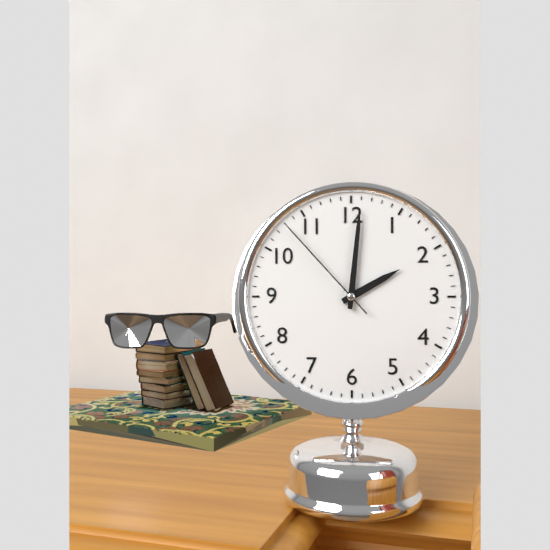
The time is 2h01m53s
